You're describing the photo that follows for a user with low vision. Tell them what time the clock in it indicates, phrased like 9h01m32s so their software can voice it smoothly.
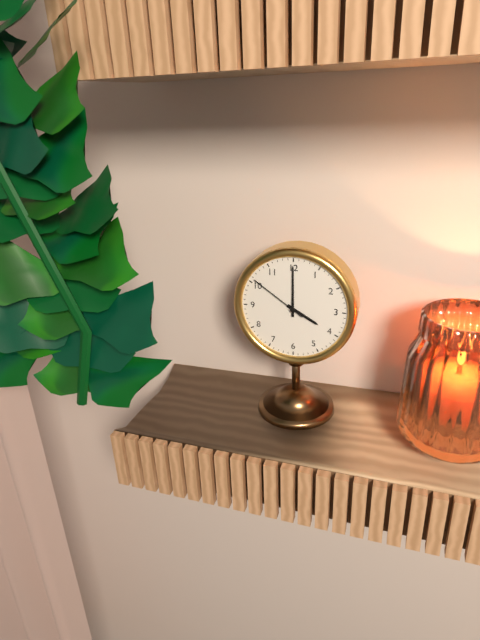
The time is 4h00m51s
